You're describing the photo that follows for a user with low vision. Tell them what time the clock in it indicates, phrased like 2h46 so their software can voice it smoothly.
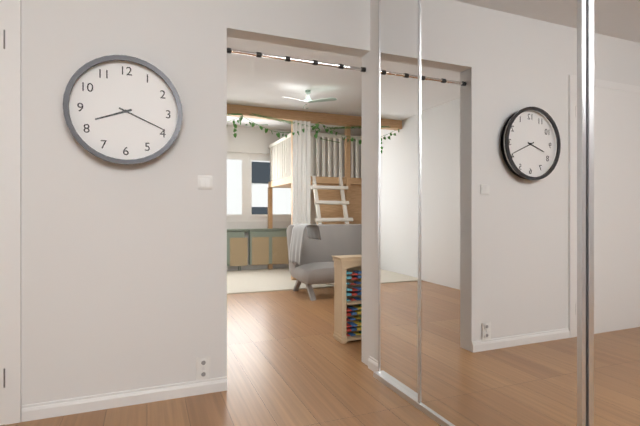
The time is 8h19
